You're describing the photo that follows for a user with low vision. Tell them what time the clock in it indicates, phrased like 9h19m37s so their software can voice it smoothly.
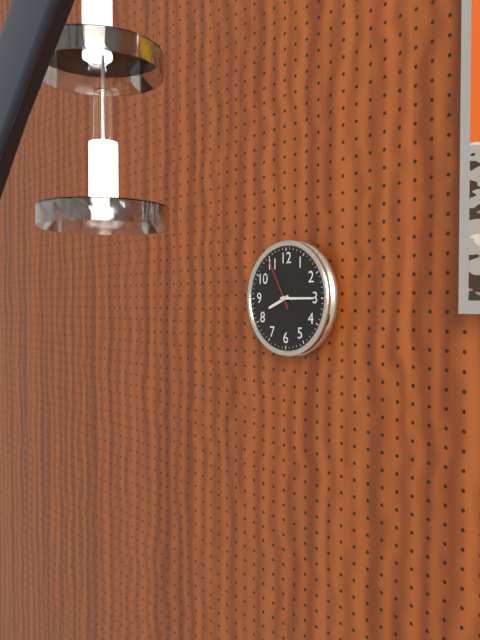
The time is 8h15m55s
